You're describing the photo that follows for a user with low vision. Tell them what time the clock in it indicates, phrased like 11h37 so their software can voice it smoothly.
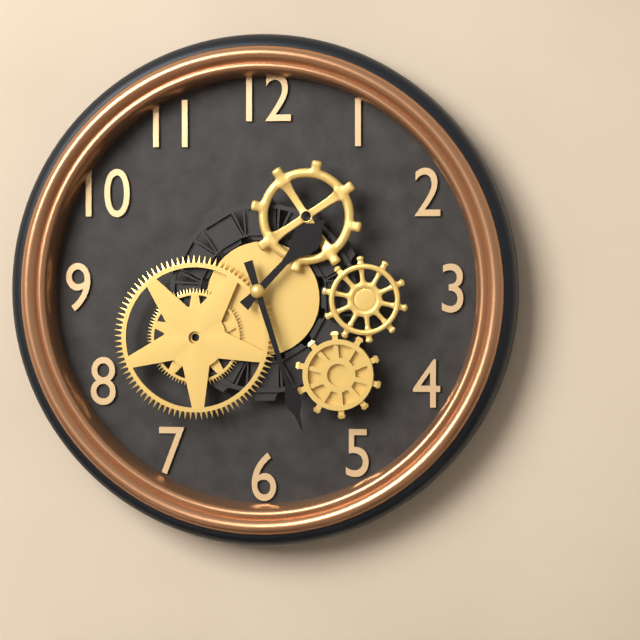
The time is 1h27
